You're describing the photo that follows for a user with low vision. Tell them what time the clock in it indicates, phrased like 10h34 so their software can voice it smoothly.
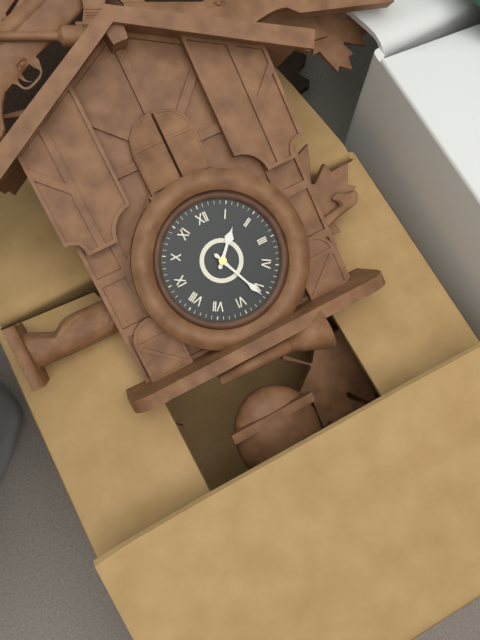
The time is 1h26
